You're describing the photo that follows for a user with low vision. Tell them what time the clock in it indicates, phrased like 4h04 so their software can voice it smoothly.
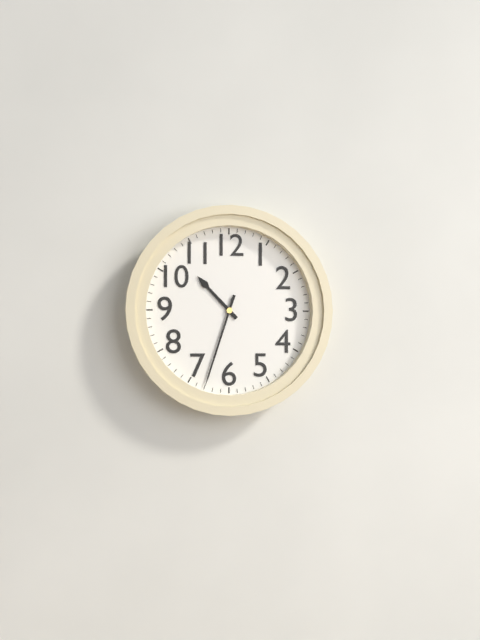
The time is 10h33
